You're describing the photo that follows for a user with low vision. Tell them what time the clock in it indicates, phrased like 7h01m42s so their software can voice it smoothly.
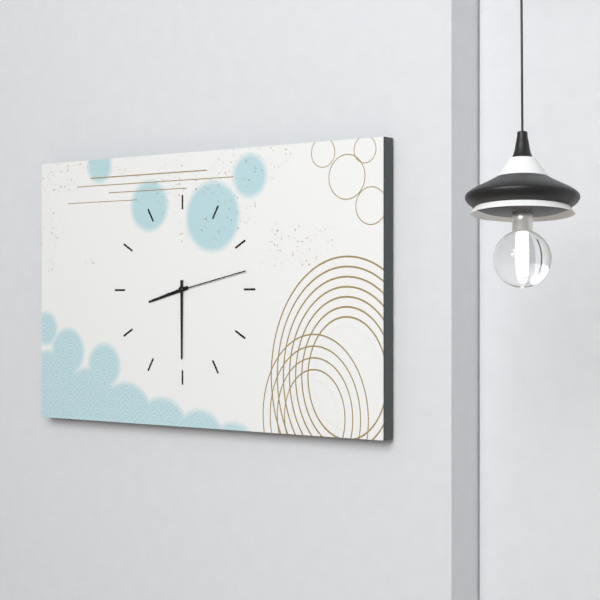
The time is 8h30m13s
